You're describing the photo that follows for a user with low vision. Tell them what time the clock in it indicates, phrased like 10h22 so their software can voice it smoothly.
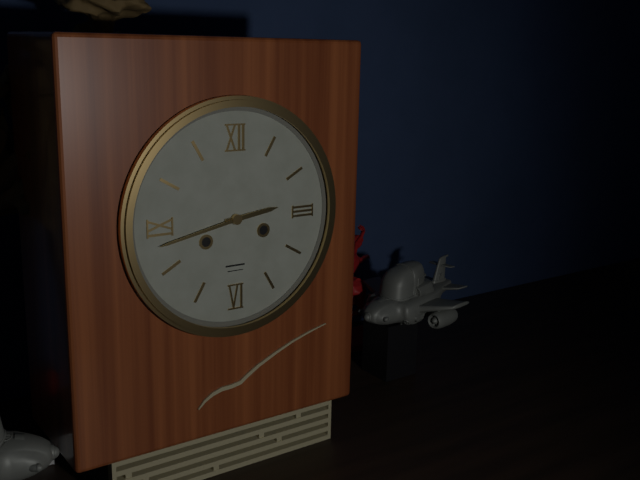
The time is 2h43
